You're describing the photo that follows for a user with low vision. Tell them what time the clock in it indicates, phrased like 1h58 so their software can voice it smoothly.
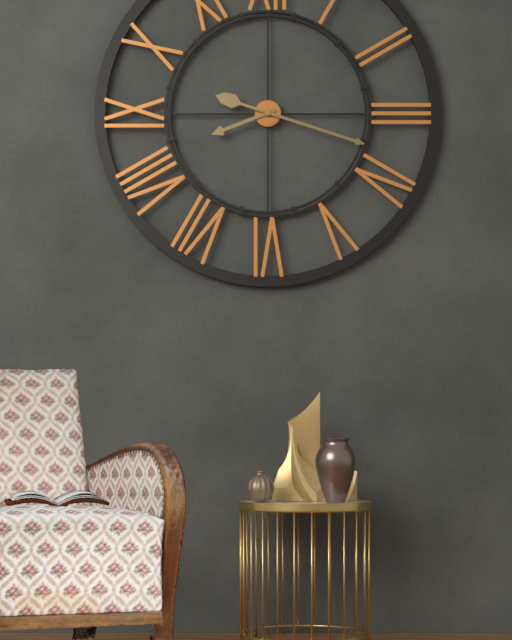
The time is 8h18
